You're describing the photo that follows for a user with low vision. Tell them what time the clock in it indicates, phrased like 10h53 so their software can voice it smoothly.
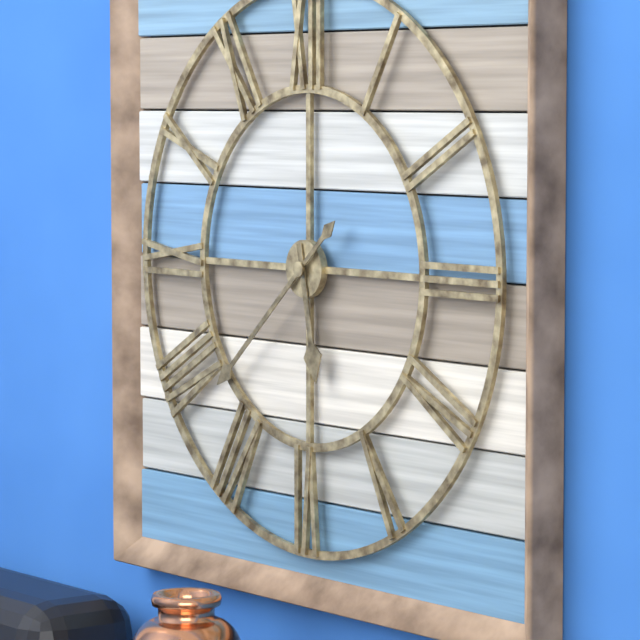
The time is 5h38
